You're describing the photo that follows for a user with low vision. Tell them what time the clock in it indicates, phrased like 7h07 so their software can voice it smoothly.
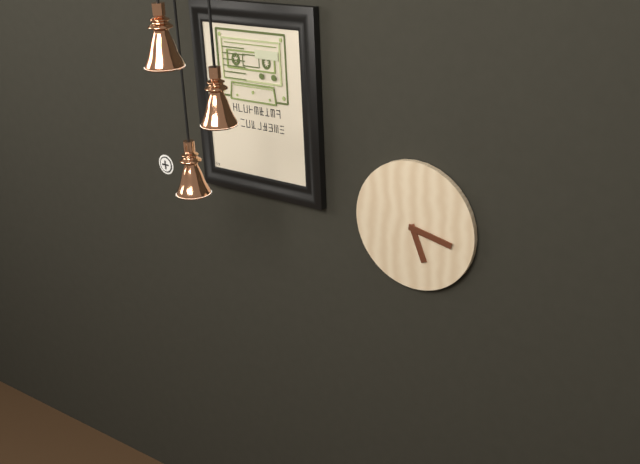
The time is 5h17
